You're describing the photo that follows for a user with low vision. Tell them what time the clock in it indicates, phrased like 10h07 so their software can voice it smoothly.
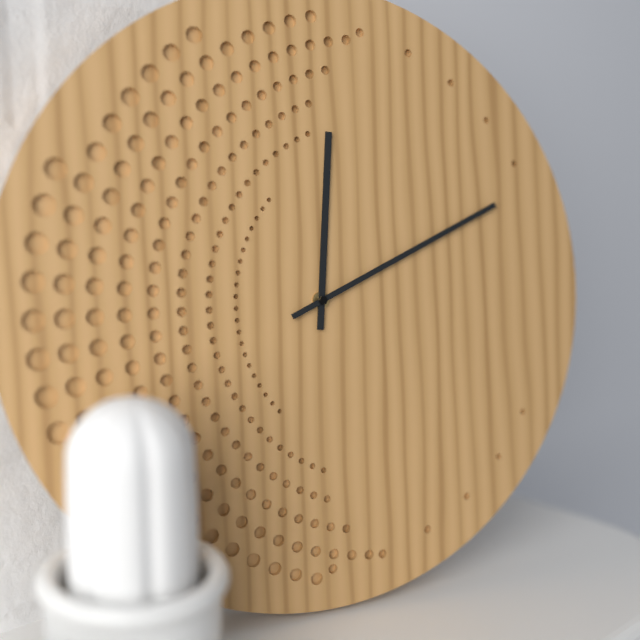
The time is 12h11
